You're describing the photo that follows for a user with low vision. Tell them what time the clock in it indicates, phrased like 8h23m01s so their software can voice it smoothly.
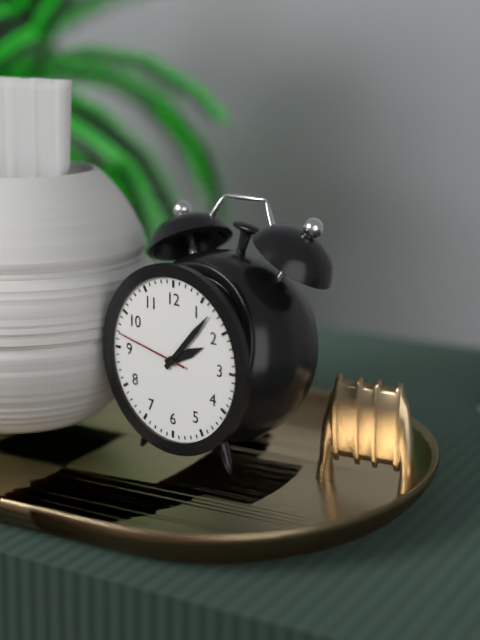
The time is 2h07m47s
